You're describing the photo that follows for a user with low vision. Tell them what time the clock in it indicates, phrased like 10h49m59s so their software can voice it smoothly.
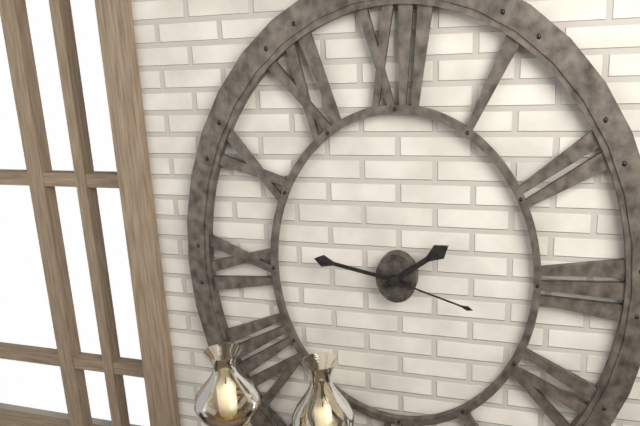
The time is 1h47m18s
